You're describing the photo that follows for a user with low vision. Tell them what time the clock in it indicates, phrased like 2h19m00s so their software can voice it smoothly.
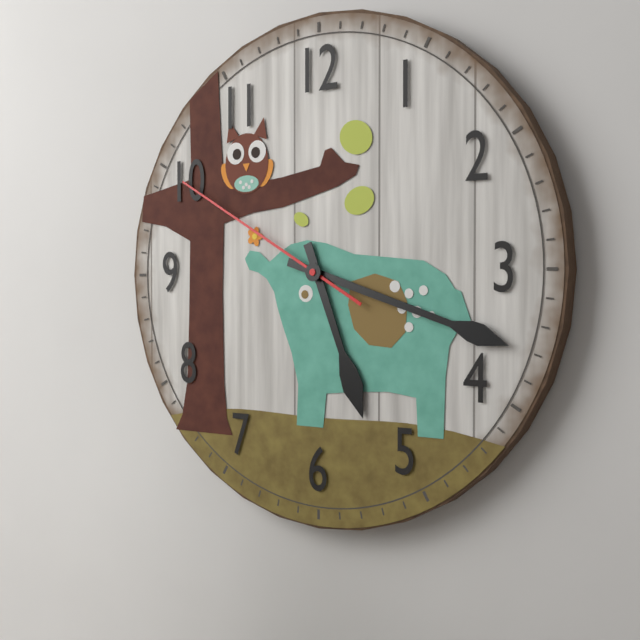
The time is 5h18m50s
